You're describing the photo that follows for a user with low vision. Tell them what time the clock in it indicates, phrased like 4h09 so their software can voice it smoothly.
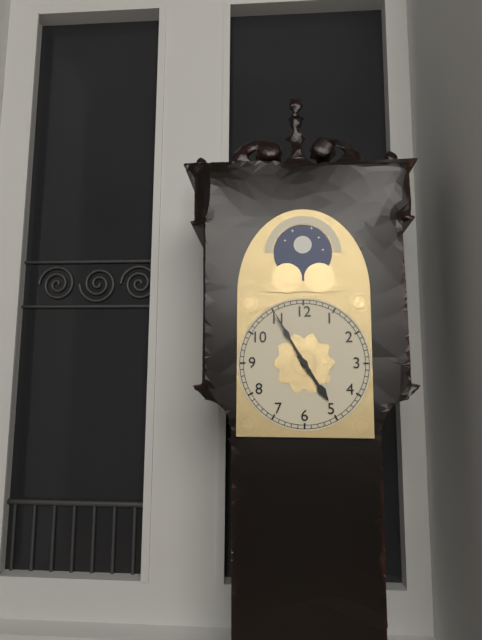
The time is 4h55
